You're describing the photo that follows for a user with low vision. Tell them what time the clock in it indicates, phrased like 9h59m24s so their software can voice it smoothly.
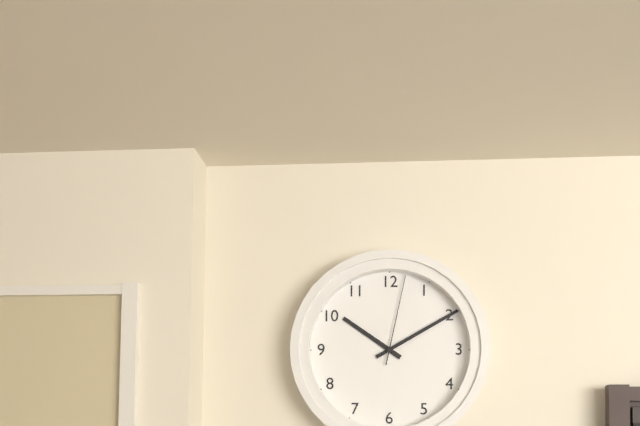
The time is 10h10m02s
